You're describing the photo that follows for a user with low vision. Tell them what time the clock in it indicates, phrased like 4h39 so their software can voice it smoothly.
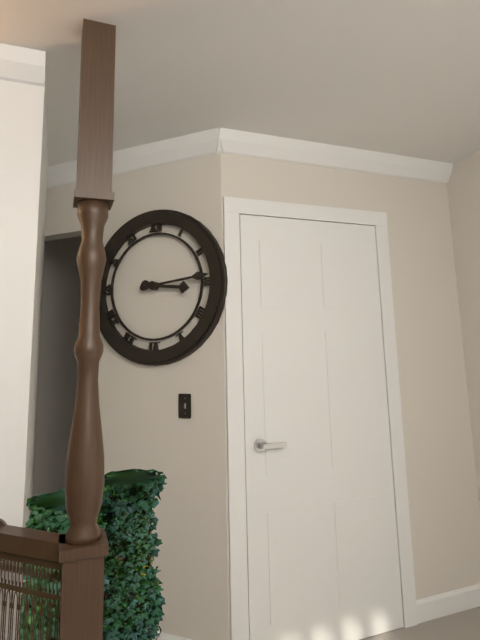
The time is 3h14
